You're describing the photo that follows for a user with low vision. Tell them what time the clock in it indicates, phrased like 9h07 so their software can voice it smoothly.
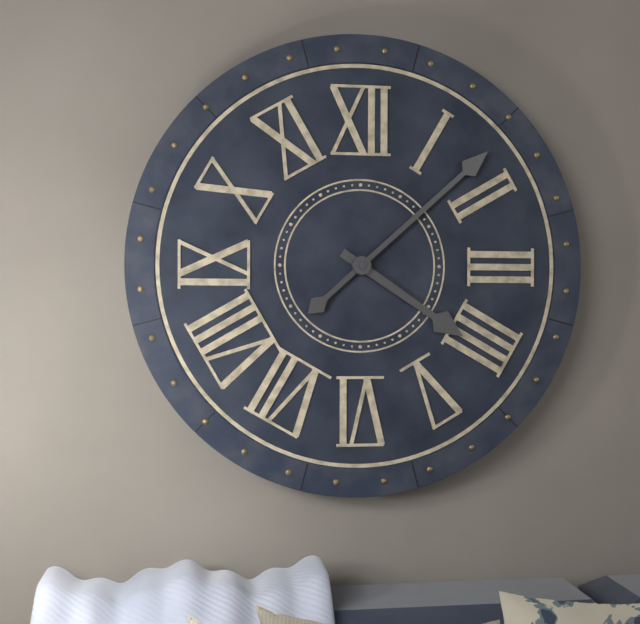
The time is 4h08
